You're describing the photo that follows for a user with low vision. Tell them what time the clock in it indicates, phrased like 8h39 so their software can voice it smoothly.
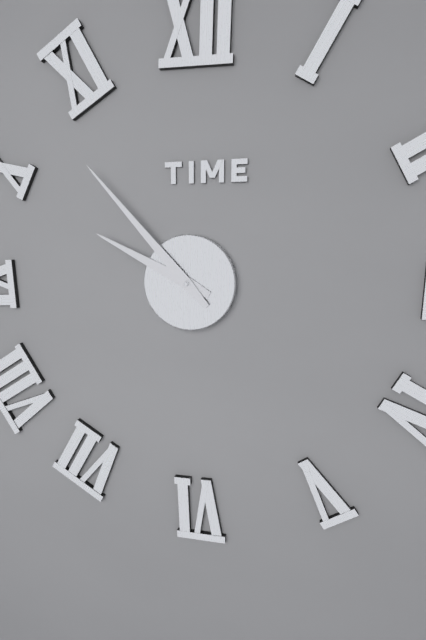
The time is 9h53
